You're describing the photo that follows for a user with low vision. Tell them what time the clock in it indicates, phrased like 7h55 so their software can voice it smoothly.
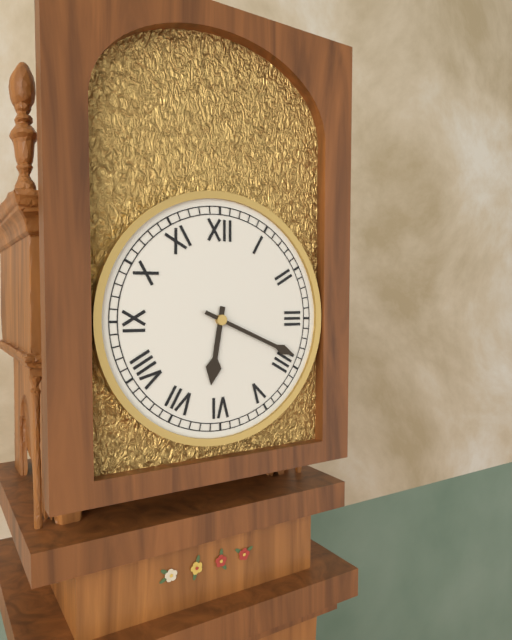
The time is 6h19
